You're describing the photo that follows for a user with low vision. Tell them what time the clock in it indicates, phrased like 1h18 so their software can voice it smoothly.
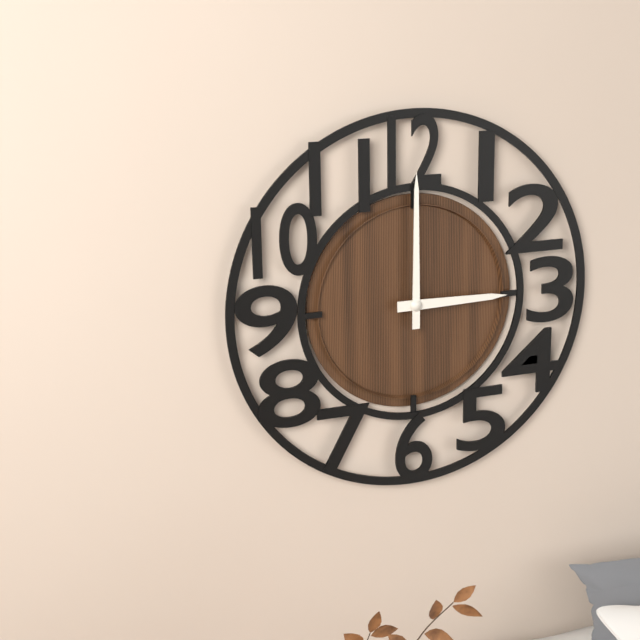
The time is 3h00
